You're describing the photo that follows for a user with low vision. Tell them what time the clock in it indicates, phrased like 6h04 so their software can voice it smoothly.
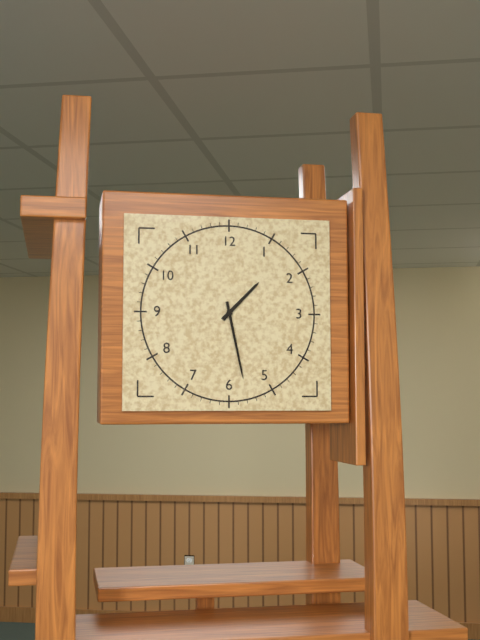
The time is 1h28
